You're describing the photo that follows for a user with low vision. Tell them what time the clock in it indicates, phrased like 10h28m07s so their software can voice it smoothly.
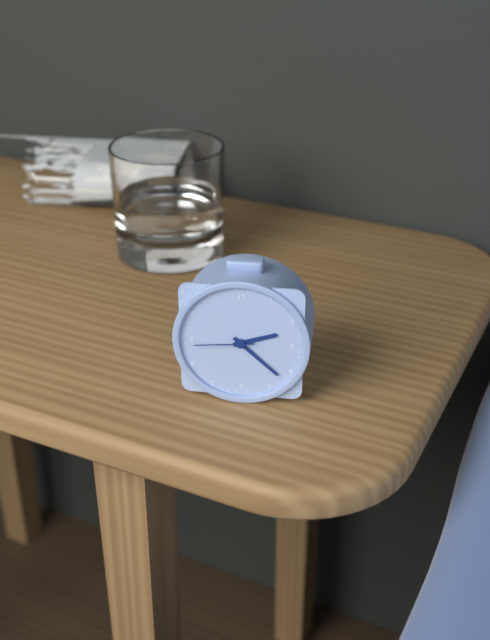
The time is 2h22m44s
